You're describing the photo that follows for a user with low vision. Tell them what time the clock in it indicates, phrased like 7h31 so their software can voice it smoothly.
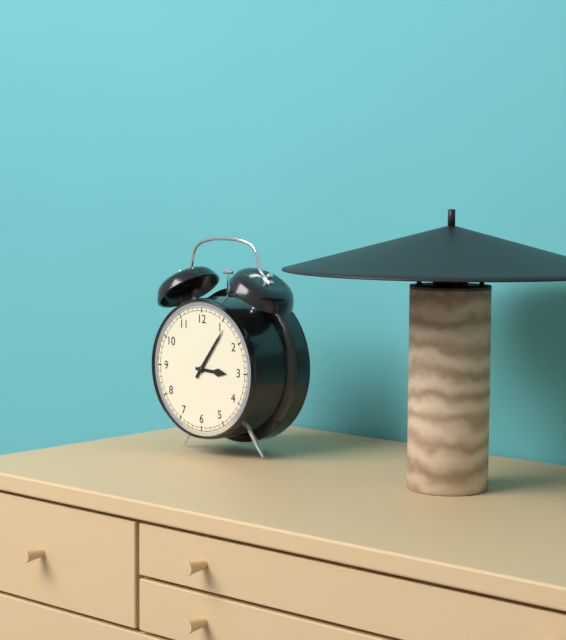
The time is 3h06
